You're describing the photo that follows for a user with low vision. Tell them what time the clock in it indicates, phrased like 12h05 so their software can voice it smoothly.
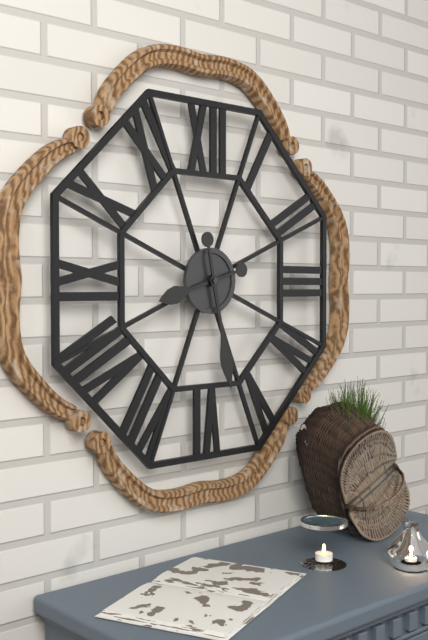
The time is 8h28
